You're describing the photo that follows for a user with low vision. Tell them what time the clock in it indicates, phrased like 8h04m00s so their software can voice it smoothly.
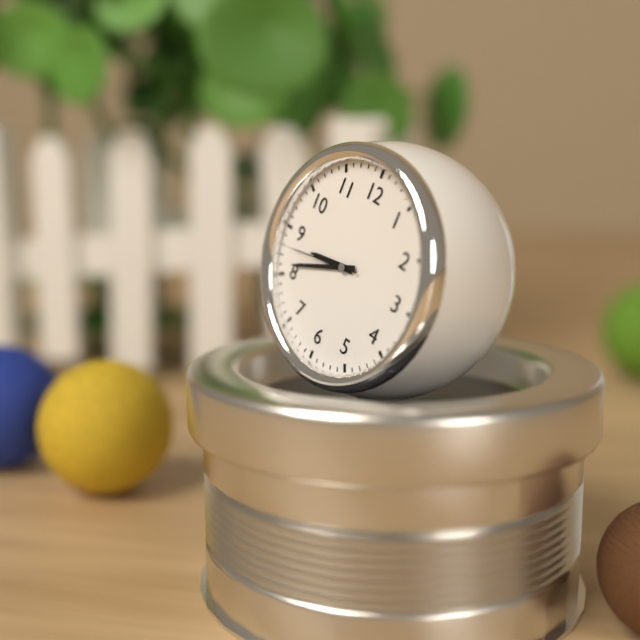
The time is 8h41m43s
